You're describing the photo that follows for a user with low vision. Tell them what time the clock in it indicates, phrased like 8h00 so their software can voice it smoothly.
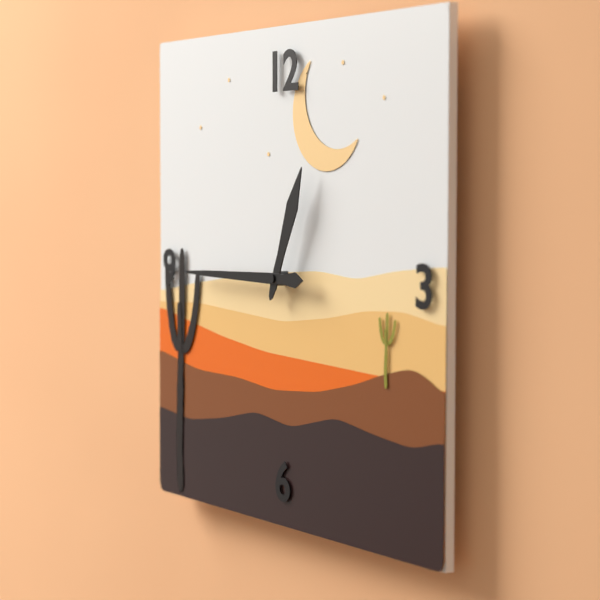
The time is 12h45
